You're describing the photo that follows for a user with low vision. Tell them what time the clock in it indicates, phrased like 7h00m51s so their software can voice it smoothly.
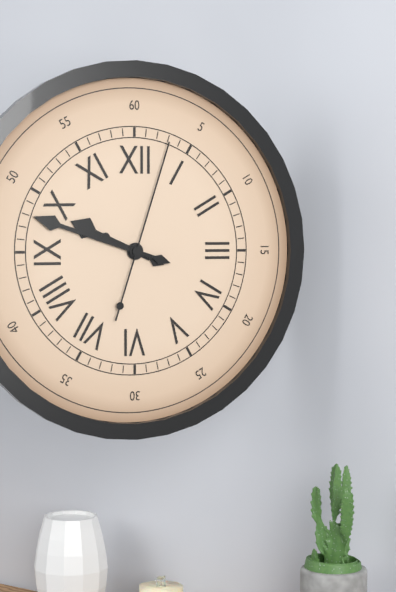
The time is 9h48m03s
